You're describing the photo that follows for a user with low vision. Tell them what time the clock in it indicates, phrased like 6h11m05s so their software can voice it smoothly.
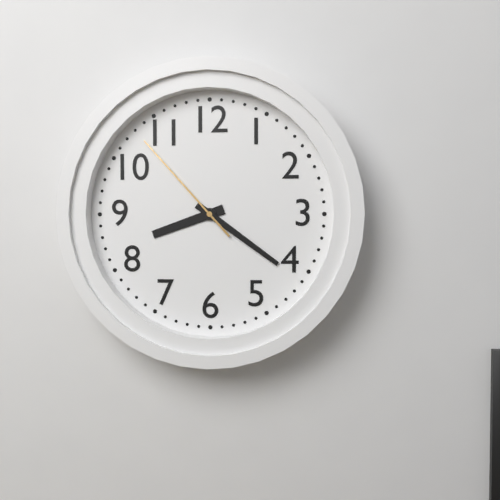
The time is 8h21m53s
